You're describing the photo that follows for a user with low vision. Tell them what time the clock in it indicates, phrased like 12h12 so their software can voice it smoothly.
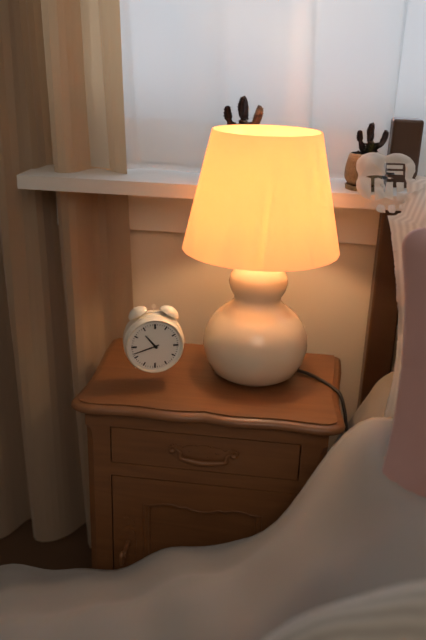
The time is 10h42
